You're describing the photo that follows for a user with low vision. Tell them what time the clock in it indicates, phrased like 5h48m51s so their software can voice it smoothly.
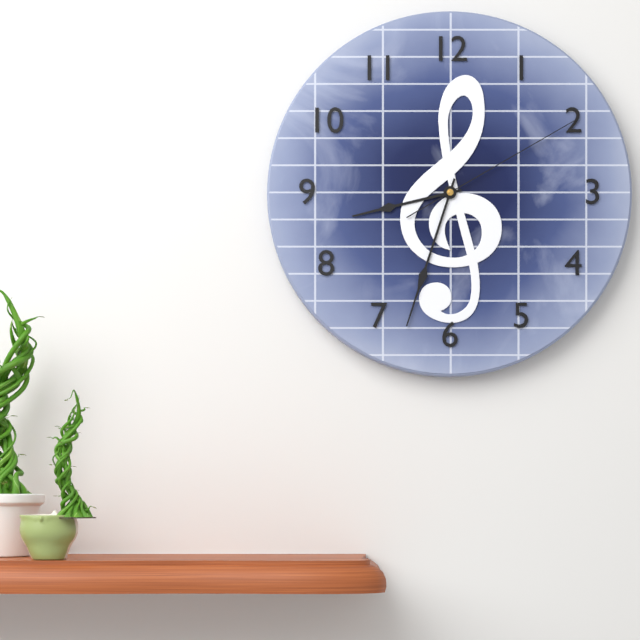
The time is 8h33m10s
